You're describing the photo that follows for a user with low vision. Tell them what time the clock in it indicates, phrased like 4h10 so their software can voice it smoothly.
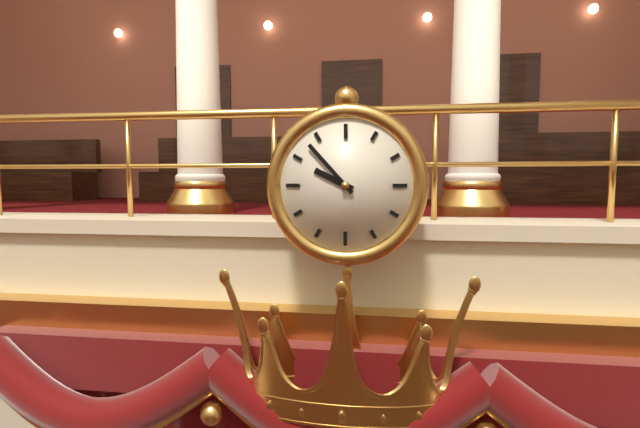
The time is 9h53
